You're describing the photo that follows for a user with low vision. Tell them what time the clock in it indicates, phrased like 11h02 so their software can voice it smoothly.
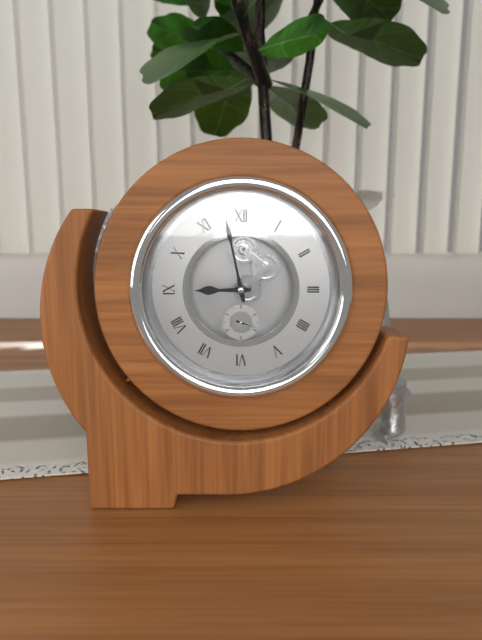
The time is 8h58
